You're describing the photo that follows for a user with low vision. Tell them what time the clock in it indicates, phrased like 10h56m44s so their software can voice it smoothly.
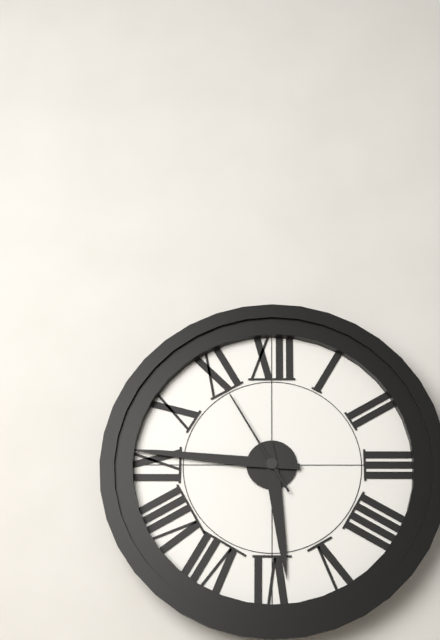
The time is 5h46m55s
